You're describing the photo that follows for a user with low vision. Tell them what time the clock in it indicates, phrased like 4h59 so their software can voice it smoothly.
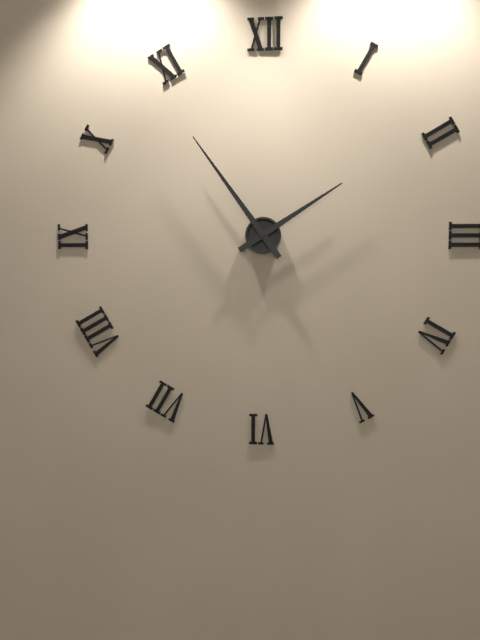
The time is 1h54
